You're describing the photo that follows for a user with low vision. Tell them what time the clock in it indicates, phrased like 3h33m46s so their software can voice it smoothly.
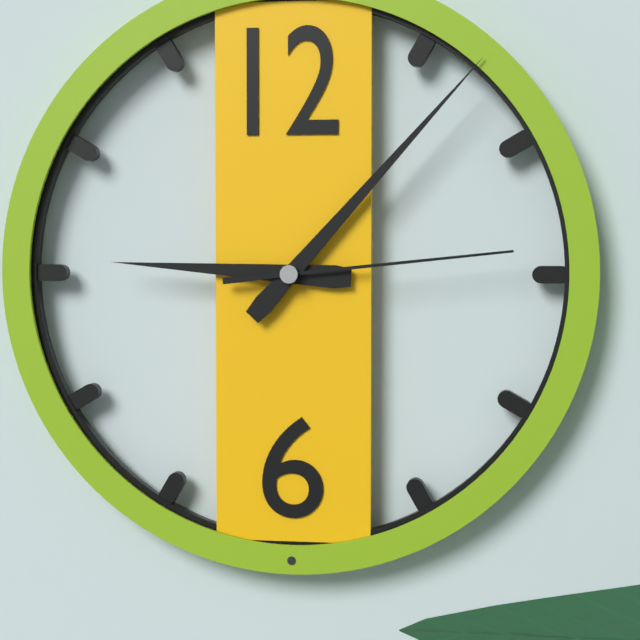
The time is 9h07m14s
